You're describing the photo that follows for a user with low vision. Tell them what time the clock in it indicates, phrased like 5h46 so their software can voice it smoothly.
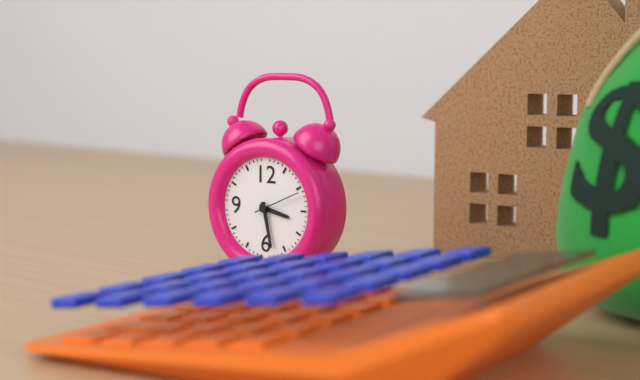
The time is 3h28
